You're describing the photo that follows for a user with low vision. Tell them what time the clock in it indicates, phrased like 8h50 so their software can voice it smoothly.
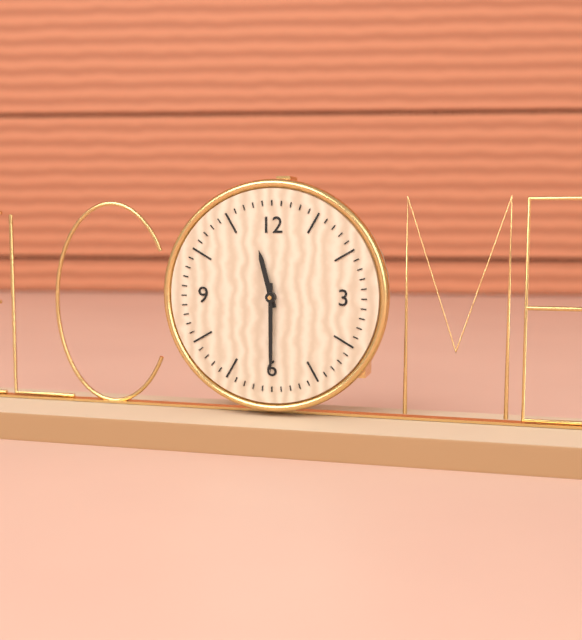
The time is 11h30
